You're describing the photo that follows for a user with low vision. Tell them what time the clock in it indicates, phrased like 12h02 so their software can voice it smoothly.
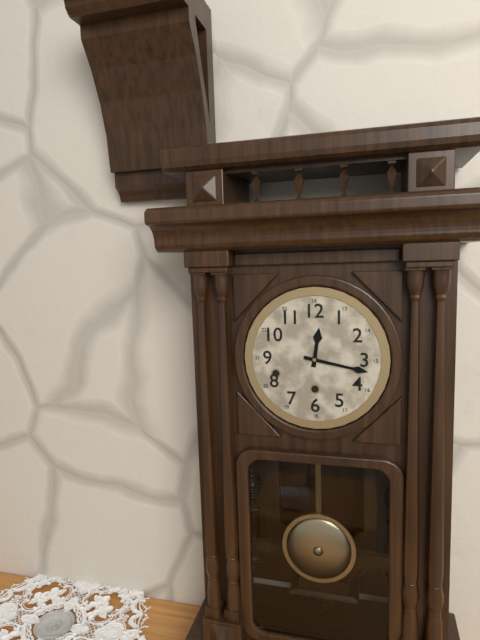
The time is 12h17
